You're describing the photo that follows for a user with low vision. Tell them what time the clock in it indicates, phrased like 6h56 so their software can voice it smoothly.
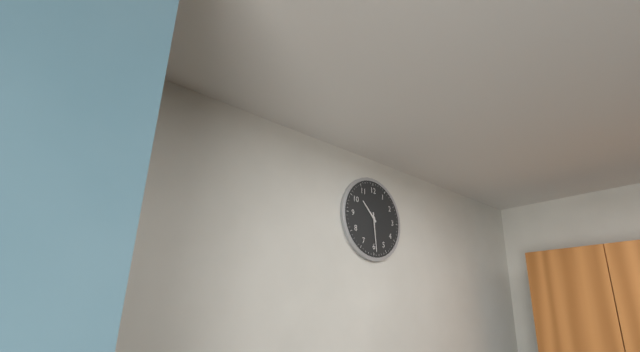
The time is 10h29
